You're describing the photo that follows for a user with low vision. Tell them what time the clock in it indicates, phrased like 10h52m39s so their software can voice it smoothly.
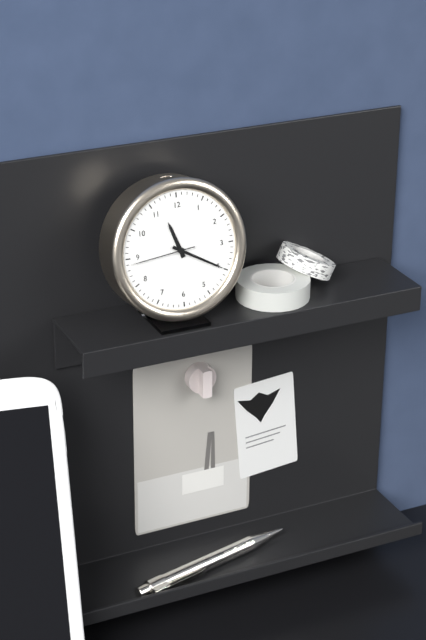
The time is 11h20m44s
